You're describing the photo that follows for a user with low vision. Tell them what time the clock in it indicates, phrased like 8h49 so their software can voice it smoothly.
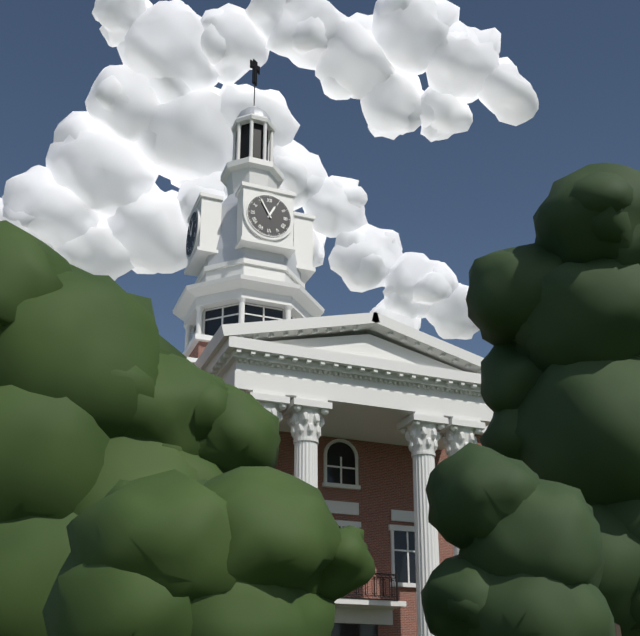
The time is 12h55
